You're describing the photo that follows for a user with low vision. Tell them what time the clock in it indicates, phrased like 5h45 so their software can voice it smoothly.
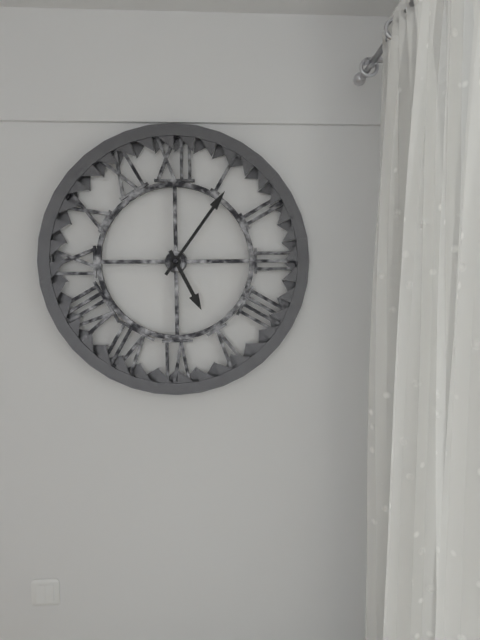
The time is 5h06
